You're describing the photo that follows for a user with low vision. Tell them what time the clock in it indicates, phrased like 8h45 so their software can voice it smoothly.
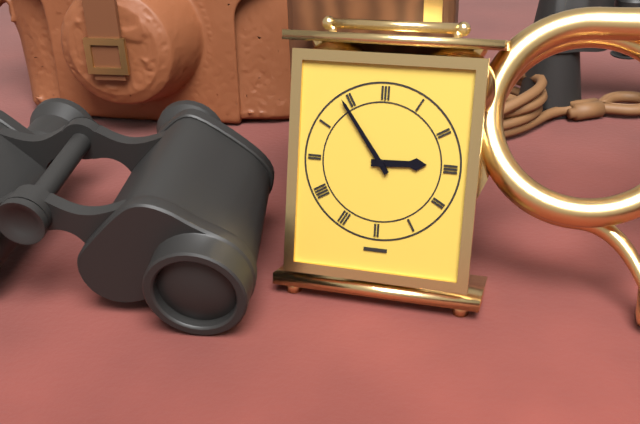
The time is 2h54
